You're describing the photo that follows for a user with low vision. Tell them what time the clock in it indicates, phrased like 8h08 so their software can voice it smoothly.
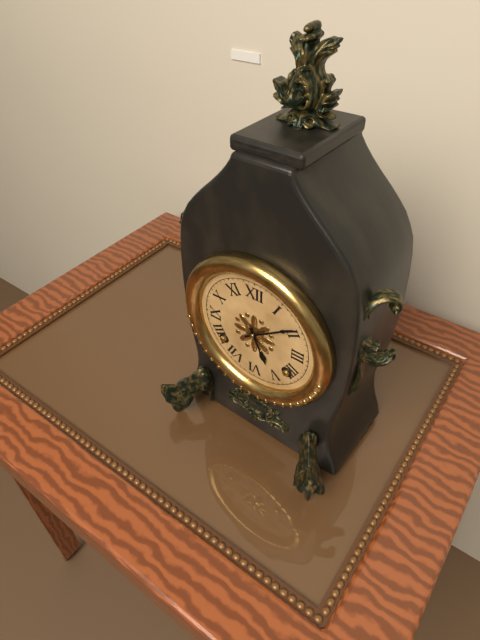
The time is 5h09
